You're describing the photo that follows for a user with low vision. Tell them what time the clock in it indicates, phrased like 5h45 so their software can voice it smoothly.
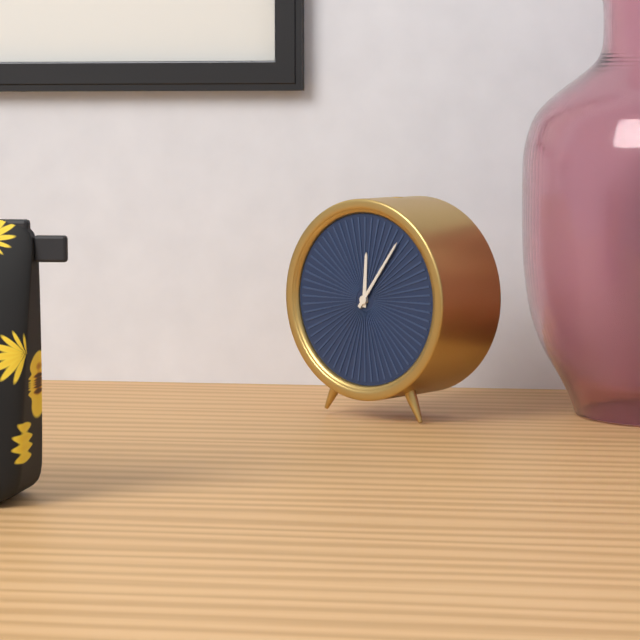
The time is 12h06
